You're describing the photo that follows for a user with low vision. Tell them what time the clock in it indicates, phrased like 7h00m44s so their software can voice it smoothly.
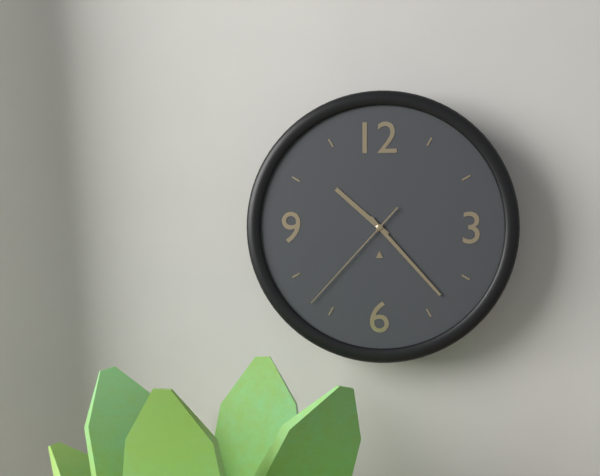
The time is 10h23m37s
